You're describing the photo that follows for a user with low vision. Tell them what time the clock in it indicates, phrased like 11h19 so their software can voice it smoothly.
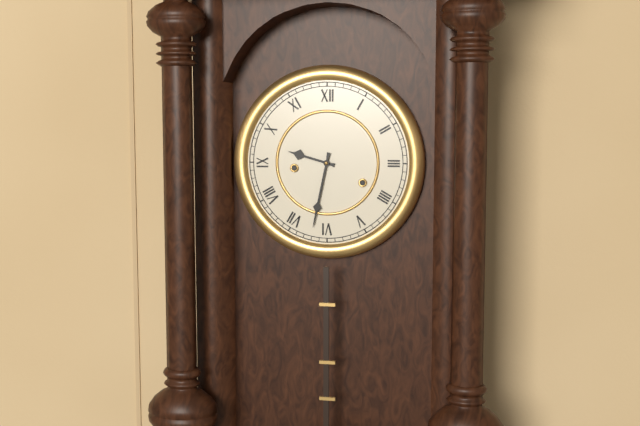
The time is 9h32
